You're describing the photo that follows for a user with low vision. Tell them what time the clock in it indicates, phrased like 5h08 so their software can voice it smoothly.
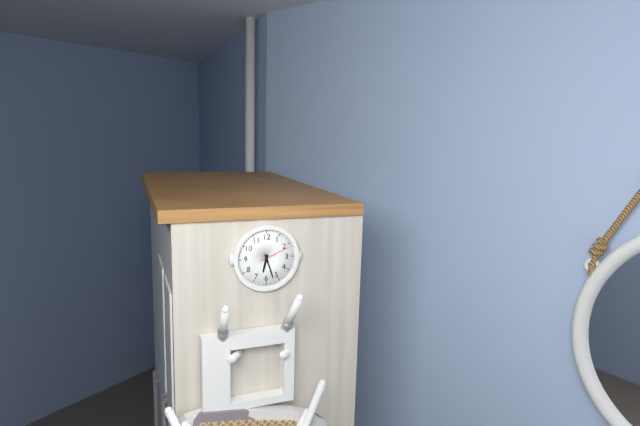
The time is 6h27
